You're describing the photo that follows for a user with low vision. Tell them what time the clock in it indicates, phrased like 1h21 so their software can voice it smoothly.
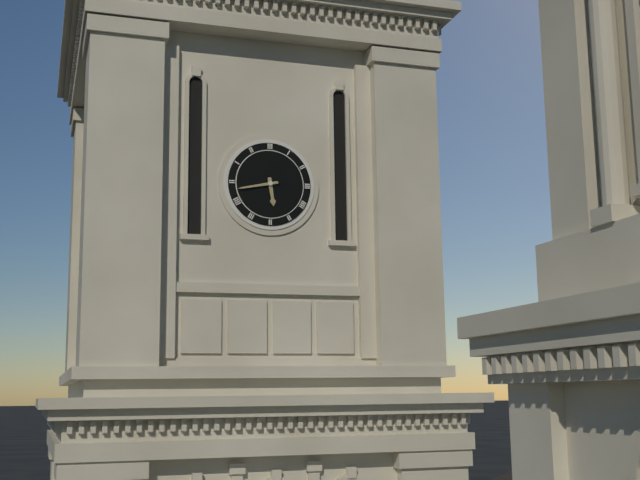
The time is 5h43
